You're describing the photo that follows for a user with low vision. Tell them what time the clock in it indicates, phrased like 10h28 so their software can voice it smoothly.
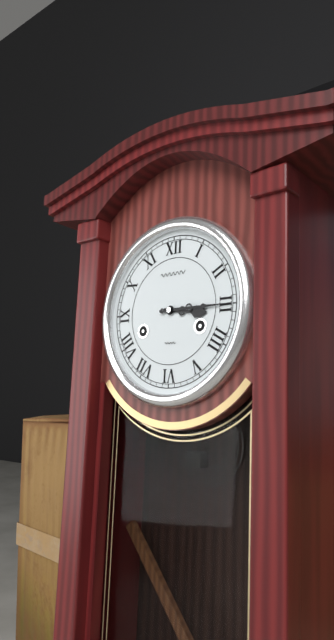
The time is 3h15
